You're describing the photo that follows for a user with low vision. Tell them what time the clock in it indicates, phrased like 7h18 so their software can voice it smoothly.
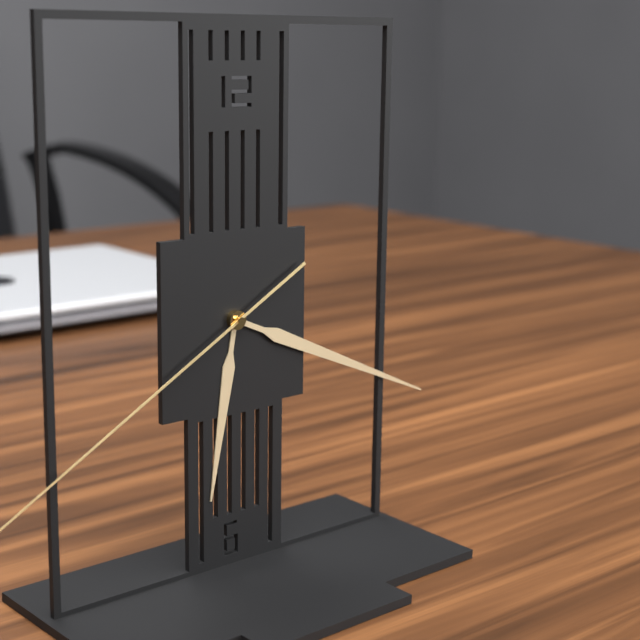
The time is 6h19
